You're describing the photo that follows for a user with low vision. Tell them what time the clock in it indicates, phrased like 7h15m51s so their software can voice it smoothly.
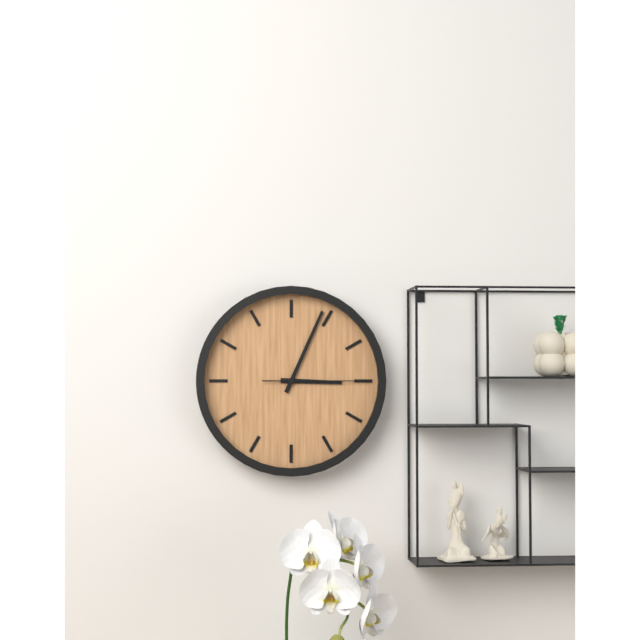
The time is 3h04m15s
